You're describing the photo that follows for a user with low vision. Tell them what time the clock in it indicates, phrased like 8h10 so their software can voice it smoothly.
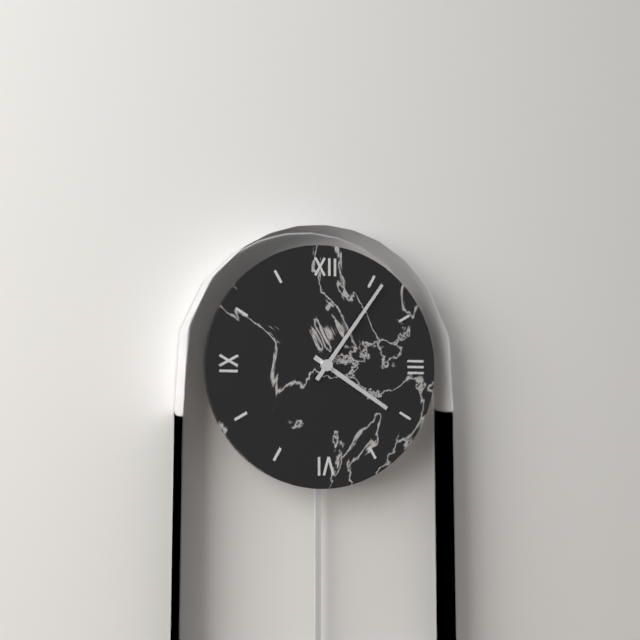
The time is 4h06
